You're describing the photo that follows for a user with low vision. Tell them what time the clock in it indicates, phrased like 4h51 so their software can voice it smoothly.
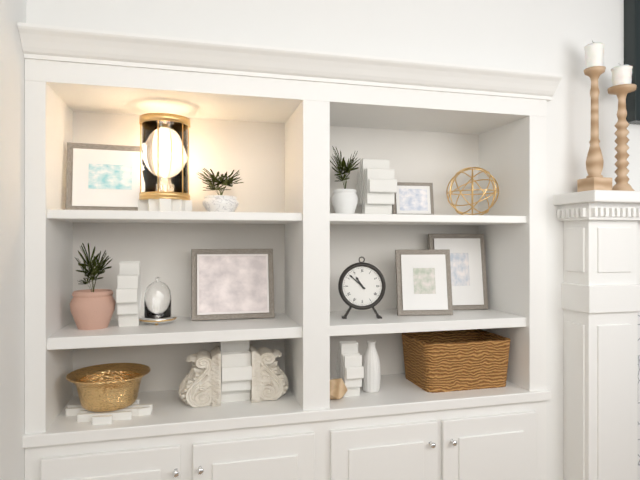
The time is 10h52
